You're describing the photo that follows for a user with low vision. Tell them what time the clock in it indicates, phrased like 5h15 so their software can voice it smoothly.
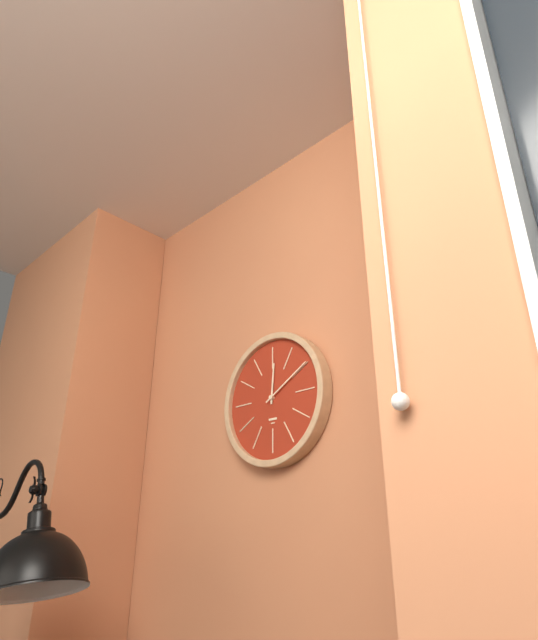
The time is 12h10
